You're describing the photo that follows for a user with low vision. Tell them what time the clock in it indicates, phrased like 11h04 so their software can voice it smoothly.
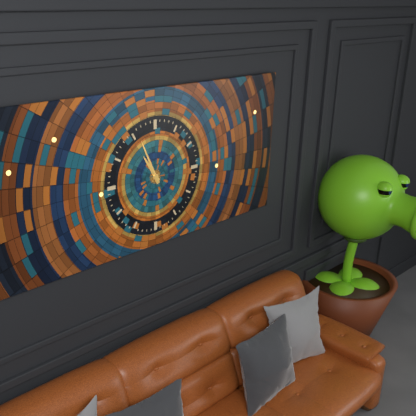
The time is 10h56
